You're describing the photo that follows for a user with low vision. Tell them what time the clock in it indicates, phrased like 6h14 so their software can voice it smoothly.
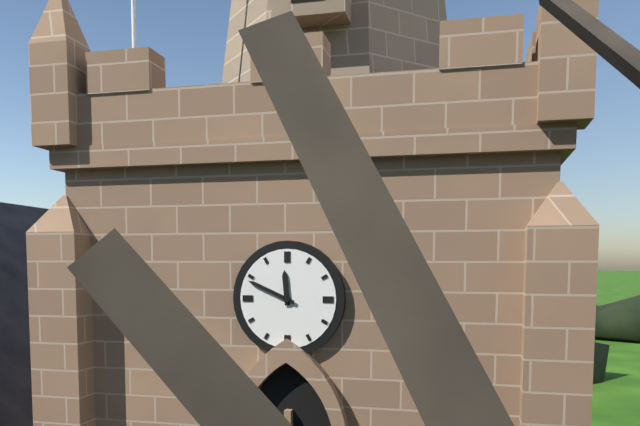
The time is 11h49
